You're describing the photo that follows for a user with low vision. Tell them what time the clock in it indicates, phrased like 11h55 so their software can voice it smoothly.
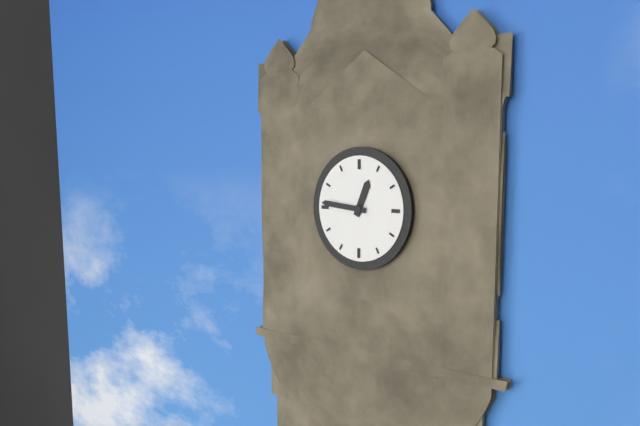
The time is 12h46
